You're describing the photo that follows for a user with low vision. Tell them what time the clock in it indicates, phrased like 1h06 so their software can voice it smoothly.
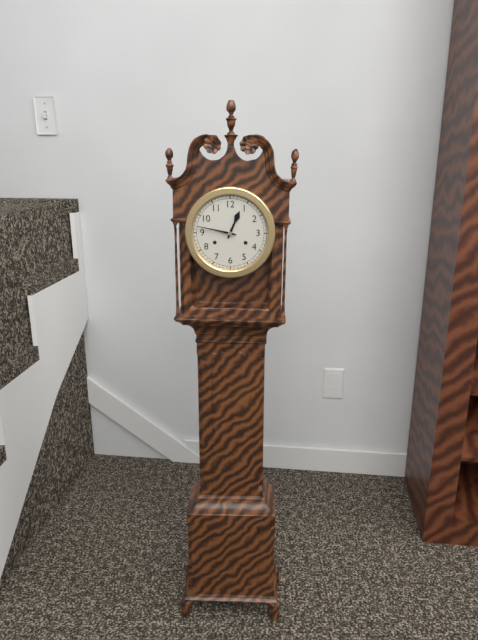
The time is 12h47
